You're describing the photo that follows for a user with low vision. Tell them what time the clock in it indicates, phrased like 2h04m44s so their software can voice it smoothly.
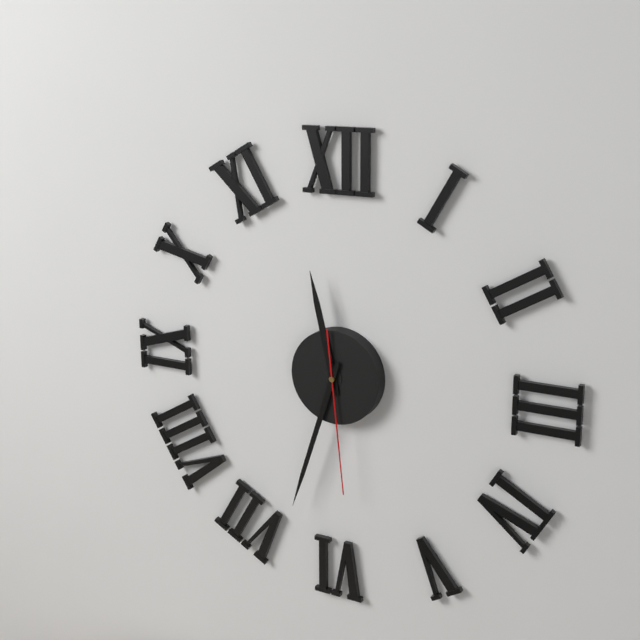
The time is 11h33m29s
